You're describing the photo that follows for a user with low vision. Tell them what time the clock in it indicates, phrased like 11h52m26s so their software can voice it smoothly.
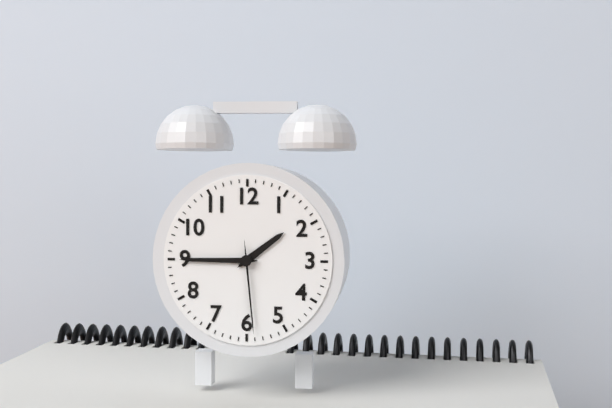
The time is 1h45m29s
